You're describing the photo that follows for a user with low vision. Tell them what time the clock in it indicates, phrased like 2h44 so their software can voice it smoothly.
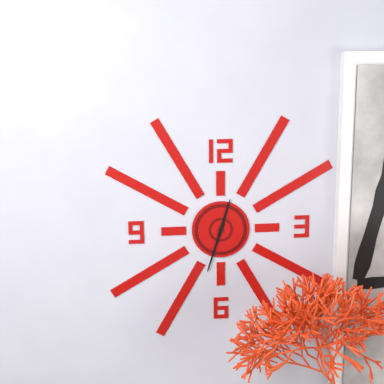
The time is 12h33
